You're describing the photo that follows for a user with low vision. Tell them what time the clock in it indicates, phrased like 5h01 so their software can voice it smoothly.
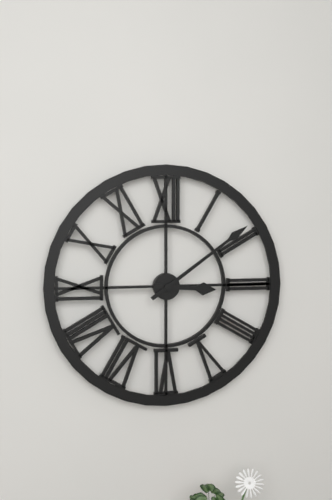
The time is 3h09
